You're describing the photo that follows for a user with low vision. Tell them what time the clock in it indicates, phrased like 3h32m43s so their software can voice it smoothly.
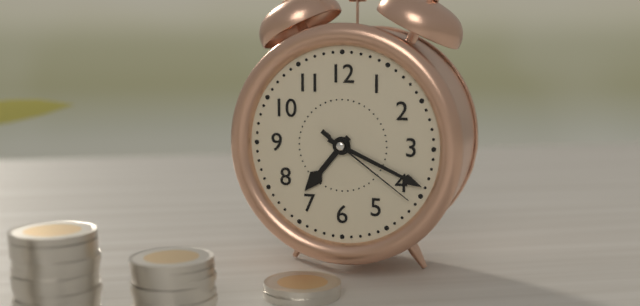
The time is 7h19m21s
